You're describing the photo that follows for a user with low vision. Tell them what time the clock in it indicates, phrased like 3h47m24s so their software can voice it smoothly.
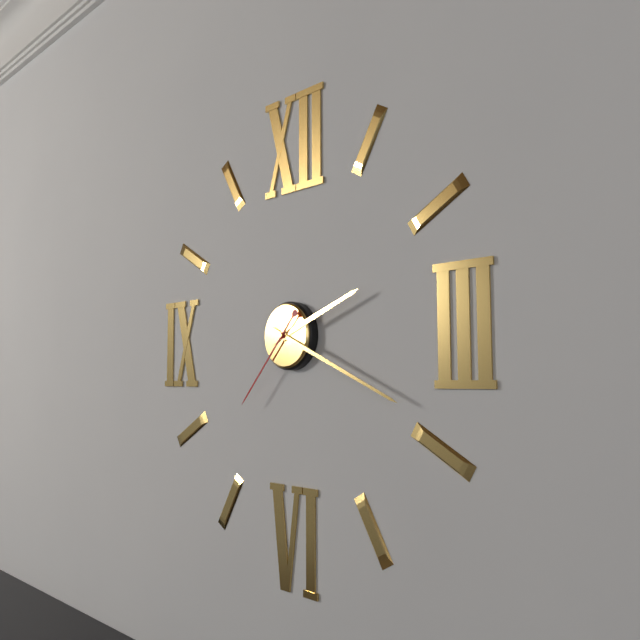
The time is 2h19m37s
